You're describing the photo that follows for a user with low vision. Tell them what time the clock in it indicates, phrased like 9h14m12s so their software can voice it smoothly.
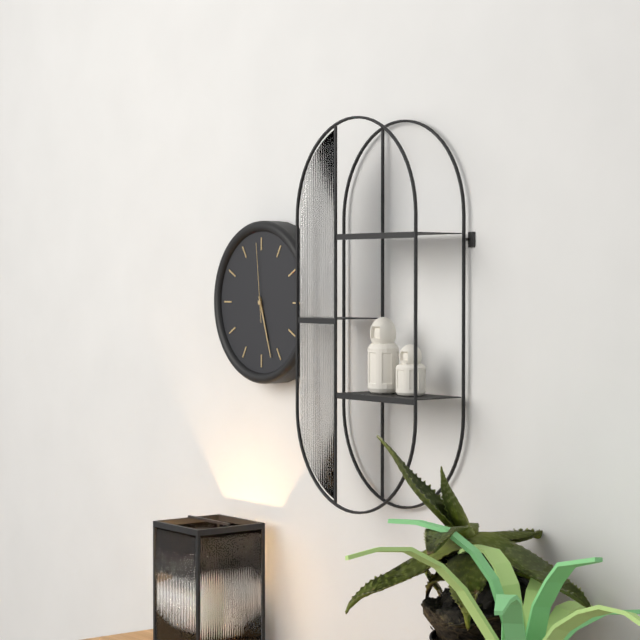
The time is 5h27m59s
